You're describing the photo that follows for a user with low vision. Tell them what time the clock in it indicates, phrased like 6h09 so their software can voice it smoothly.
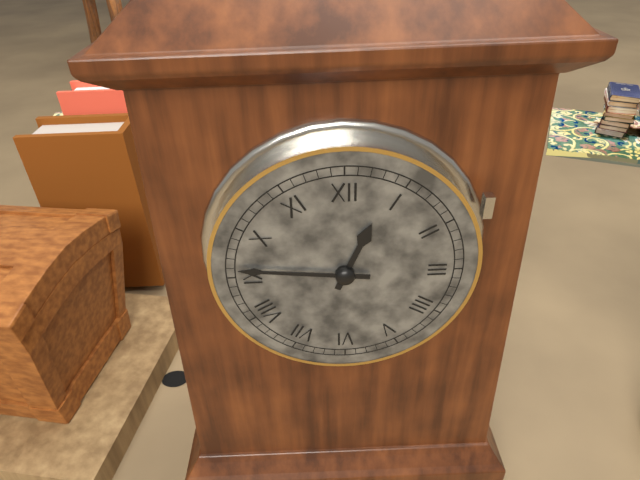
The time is 12h46
